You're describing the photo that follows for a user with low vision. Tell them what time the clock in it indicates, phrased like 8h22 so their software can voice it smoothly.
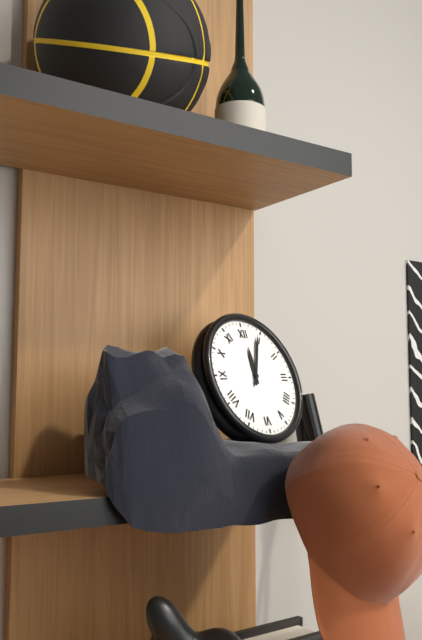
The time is 12h04
